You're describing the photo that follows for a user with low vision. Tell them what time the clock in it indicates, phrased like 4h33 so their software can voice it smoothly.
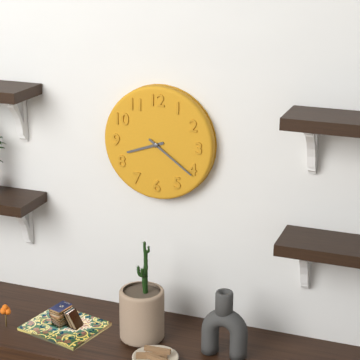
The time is 8h21
